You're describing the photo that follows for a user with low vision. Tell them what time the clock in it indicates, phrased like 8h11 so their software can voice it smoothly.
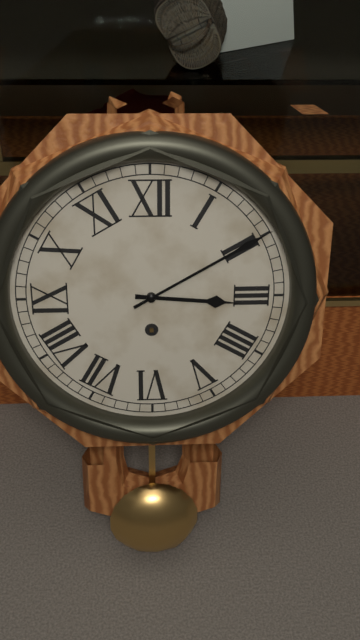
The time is 3h10
